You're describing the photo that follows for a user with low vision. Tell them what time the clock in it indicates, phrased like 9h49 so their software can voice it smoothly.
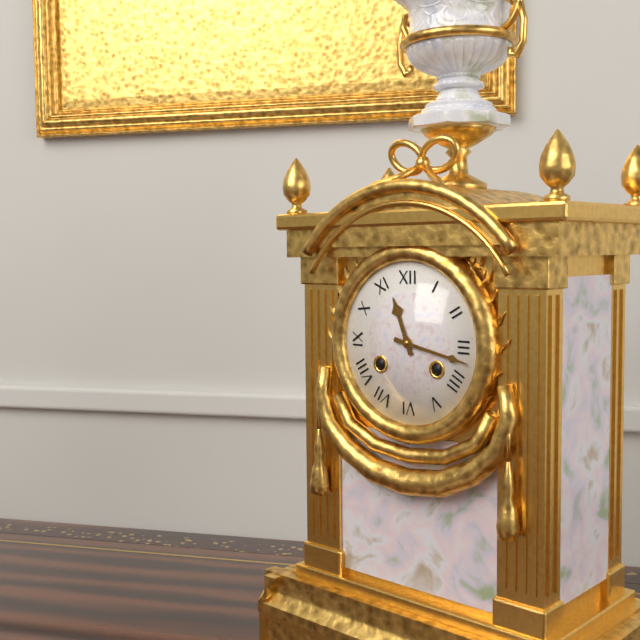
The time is 11h17
